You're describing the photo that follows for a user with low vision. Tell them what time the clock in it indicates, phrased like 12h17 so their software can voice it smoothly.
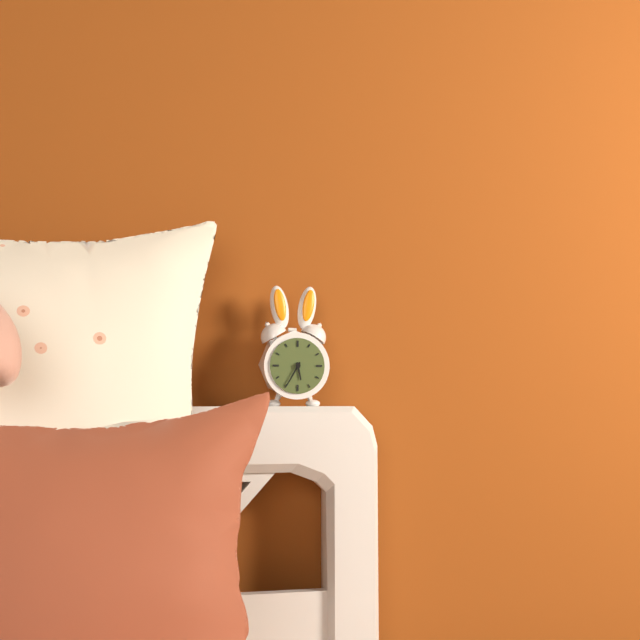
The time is 5h35
